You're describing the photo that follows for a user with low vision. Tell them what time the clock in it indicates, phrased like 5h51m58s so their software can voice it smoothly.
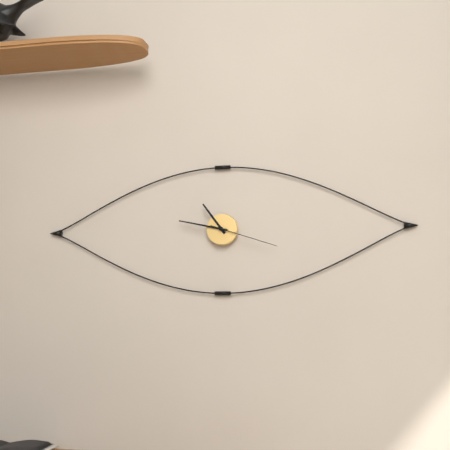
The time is 10h47m18s
